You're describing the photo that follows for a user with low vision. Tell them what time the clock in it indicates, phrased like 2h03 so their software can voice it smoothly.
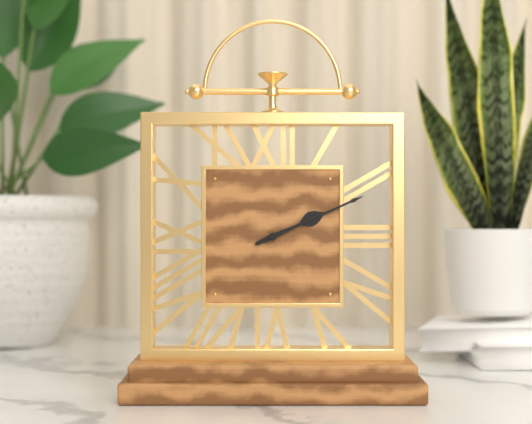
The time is 2h11
